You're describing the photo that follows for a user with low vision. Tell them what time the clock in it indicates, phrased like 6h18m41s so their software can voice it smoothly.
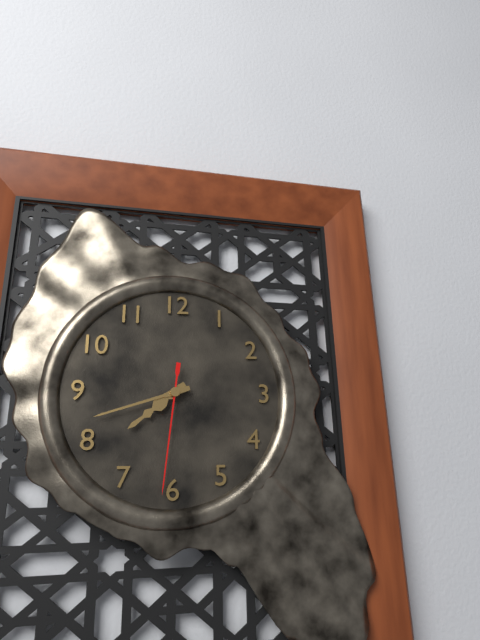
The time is 7h42m31s
